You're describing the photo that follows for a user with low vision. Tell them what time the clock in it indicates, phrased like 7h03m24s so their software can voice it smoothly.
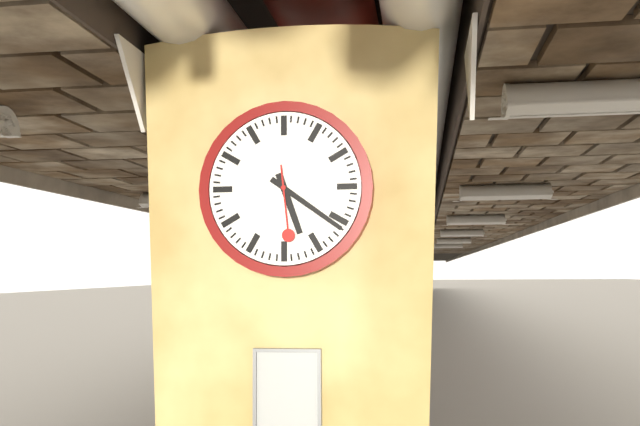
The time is 5h21m29s
